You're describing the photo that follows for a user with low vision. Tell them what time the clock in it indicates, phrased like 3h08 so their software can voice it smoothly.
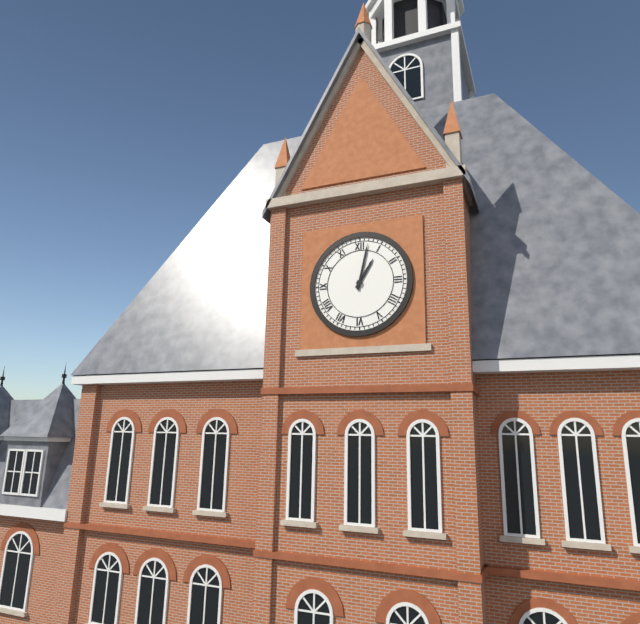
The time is 1h02
